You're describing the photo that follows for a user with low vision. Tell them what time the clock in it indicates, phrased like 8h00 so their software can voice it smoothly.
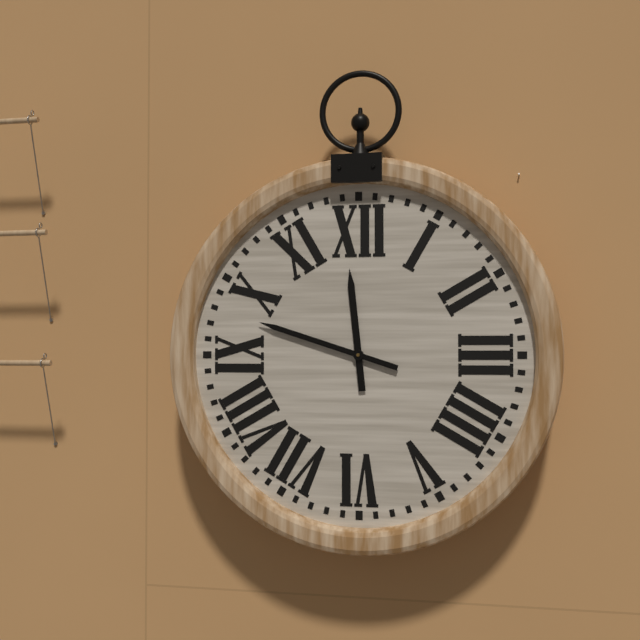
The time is 11h48
